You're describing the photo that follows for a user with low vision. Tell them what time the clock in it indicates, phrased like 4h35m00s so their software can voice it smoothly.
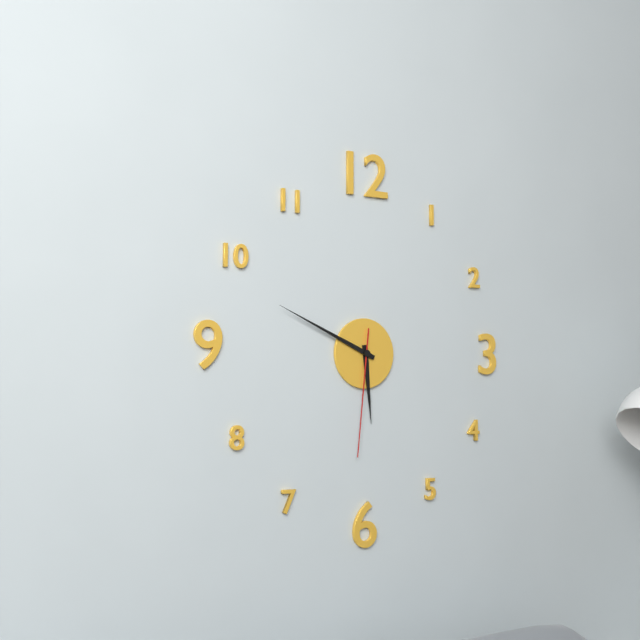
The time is 5h49m31s
